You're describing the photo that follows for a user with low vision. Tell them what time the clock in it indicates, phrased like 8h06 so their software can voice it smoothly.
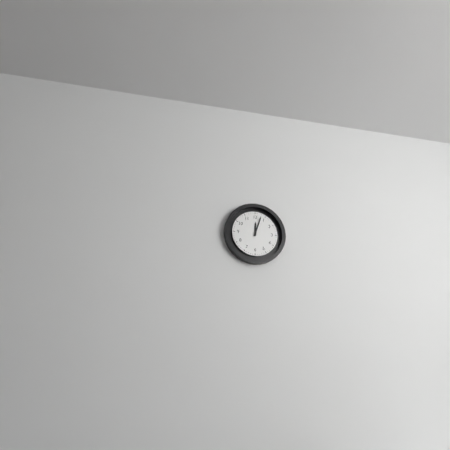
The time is 12h03
